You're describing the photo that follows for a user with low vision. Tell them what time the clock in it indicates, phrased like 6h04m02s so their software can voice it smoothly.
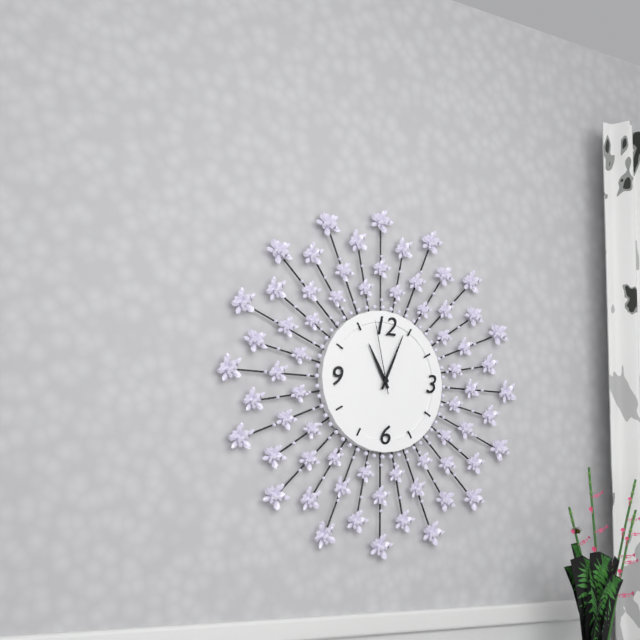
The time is 11h04m58s
